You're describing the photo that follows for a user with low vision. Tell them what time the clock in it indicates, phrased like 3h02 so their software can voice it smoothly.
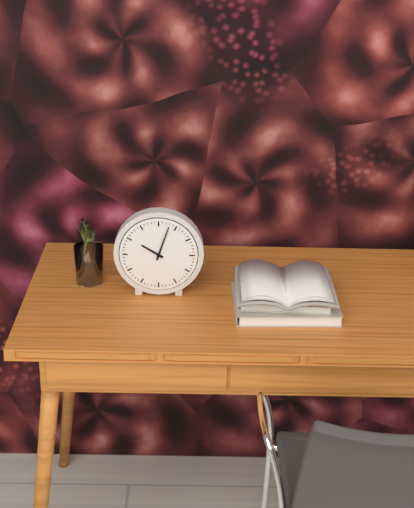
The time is 10h03
